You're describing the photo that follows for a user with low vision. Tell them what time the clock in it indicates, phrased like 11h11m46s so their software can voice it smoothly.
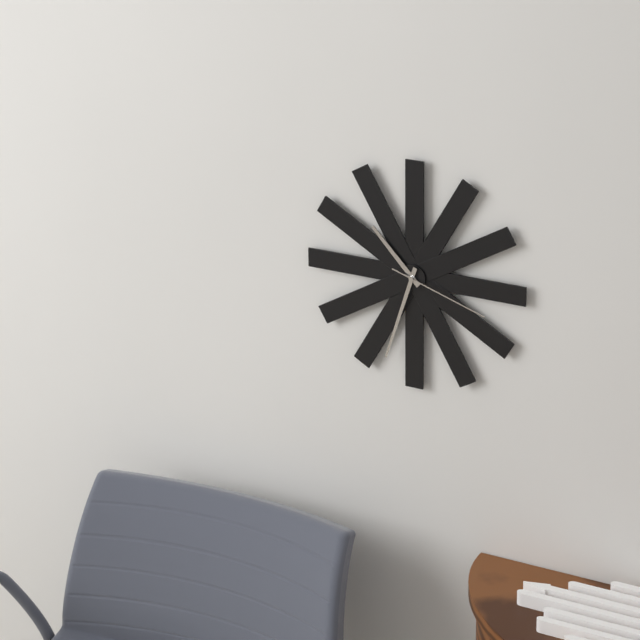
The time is 10h33m18s
